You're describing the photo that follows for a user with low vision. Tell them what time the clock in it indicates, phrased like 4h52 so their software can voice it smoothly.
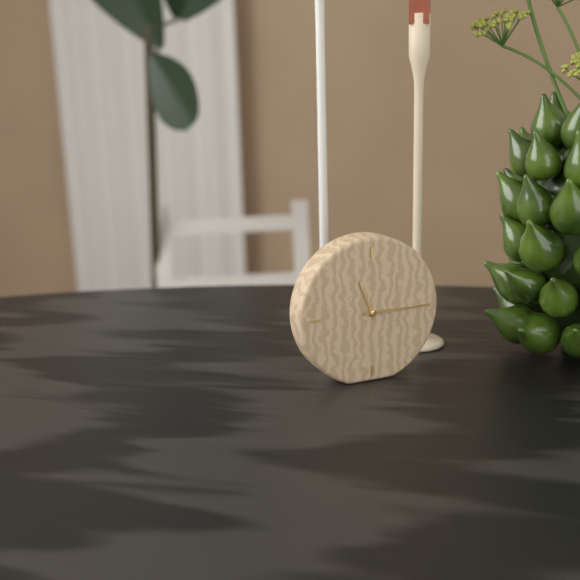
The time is 11h15
